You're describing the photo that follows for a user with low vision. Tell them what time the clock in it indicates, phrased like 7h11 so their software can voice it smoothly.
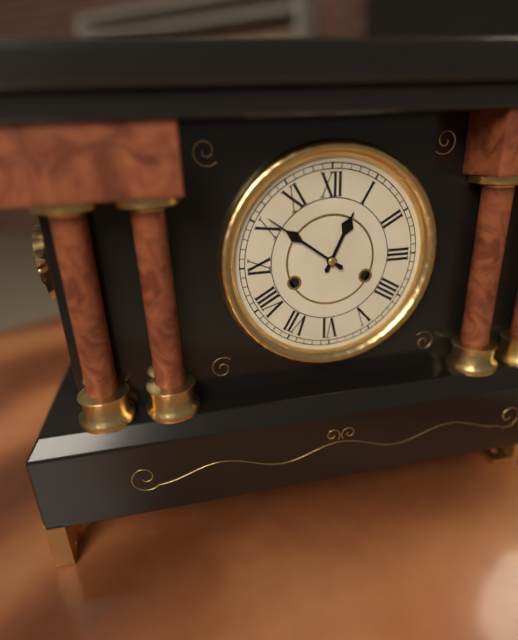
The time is 12h51
